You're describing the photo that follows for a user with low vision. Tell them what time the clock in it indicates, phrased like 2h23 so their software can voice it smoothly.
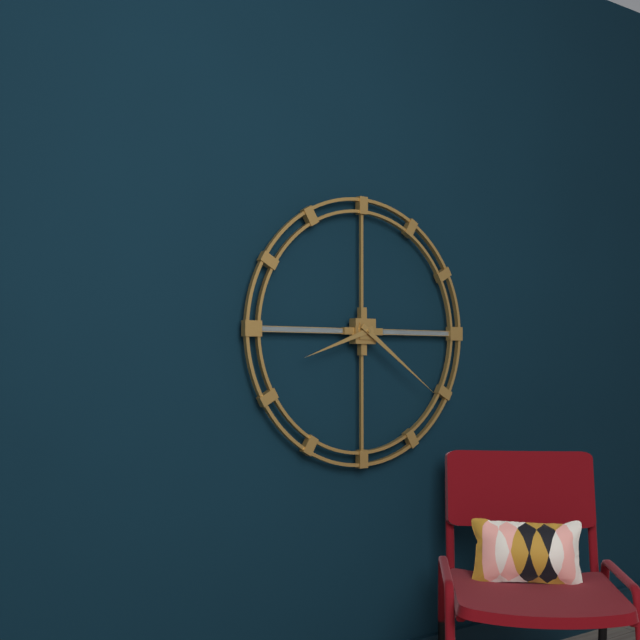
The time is 8h21
